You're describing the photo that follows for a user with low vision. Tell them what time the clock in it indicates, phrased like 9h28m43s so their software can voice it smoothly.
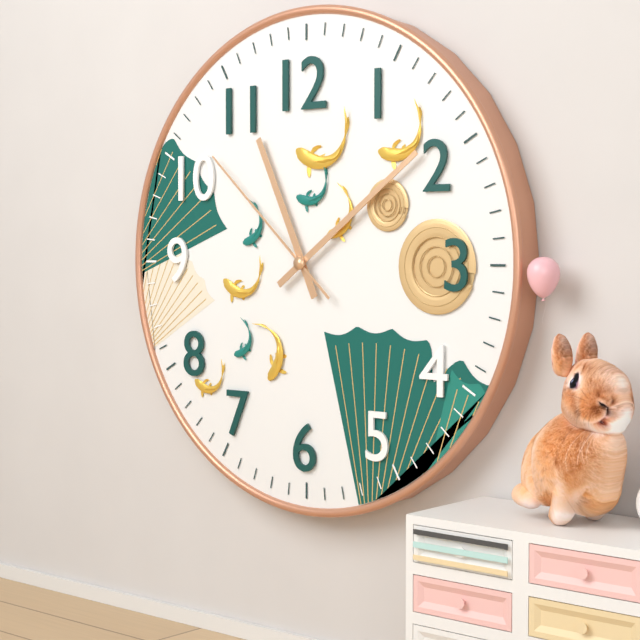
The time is 11h09m52s
